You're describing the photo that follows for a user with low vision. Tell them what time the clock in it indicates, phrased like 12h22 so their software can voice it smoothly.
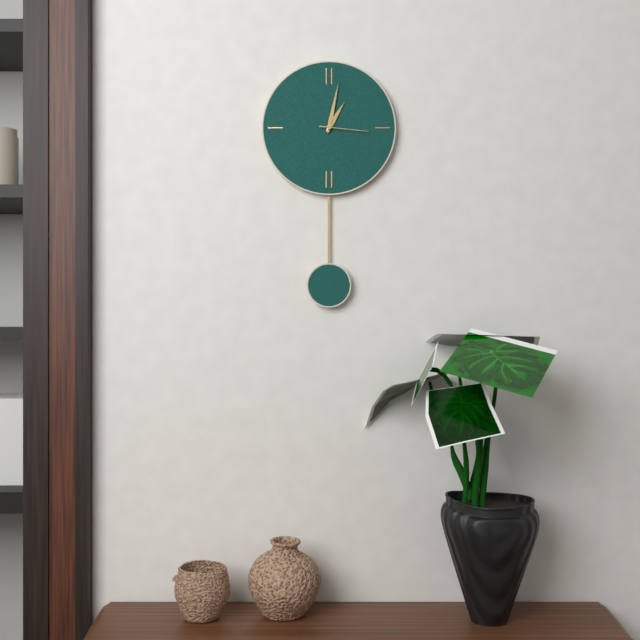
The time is 1h02
